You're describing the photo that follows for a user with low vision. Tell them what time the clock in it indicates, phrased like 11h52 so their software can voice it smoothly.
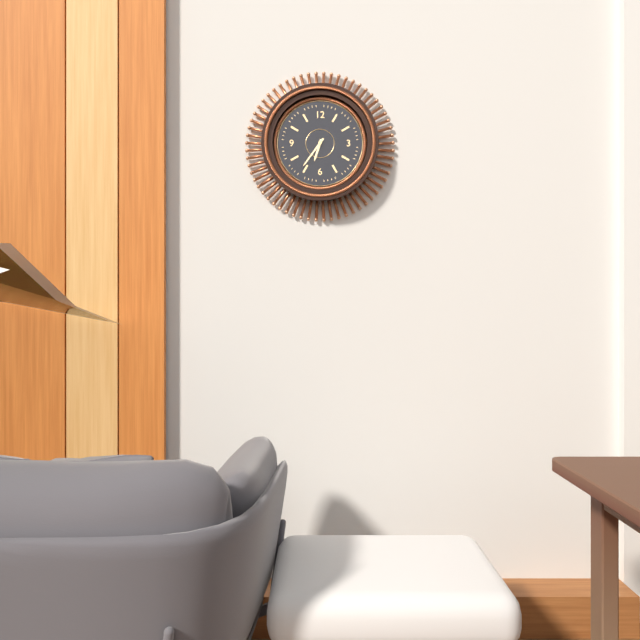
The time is 6h36
